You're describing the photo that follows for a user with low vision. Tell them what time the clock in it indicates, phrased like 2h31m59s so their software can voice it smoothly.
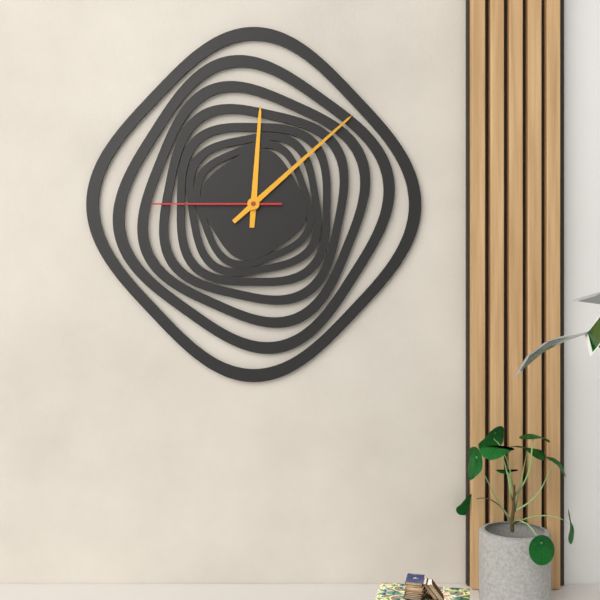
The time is 12h08m45s
